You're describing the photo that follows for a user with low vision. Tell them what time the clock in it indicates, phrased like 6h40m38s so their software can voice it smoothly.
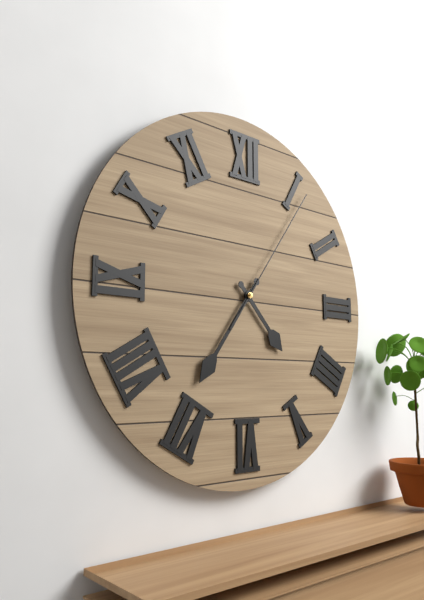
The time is 4h36m06s
